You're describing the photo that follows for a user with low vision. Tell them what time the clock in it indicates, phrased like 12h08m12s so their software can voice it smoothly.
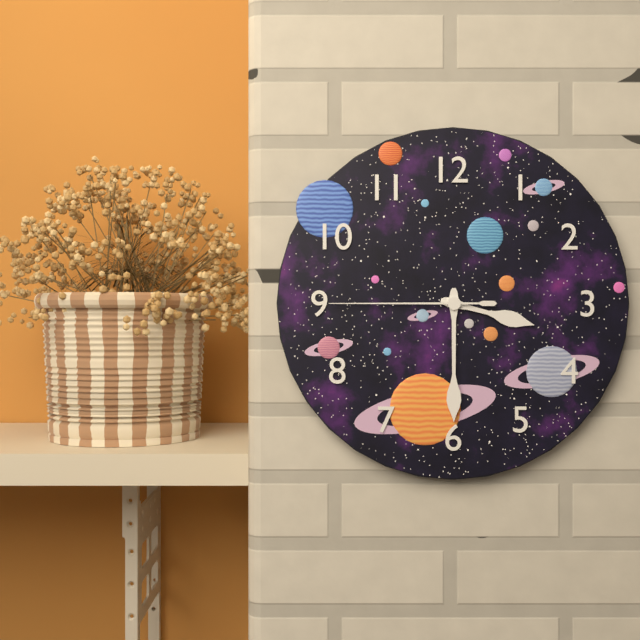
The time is 3h30m45s
